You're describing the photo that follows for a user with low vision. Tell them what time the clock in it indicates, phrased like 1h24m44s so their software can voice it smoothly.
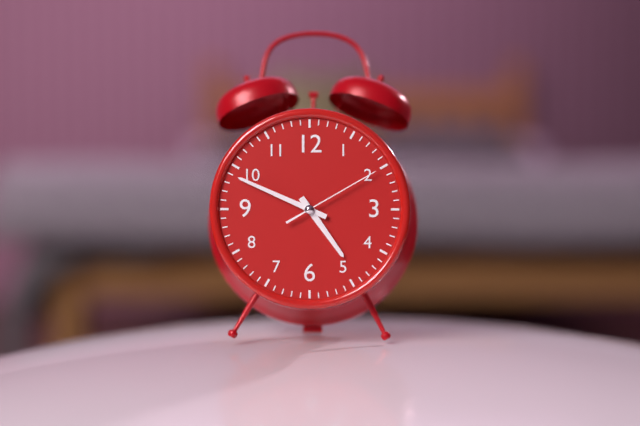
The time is 4h49m10s
